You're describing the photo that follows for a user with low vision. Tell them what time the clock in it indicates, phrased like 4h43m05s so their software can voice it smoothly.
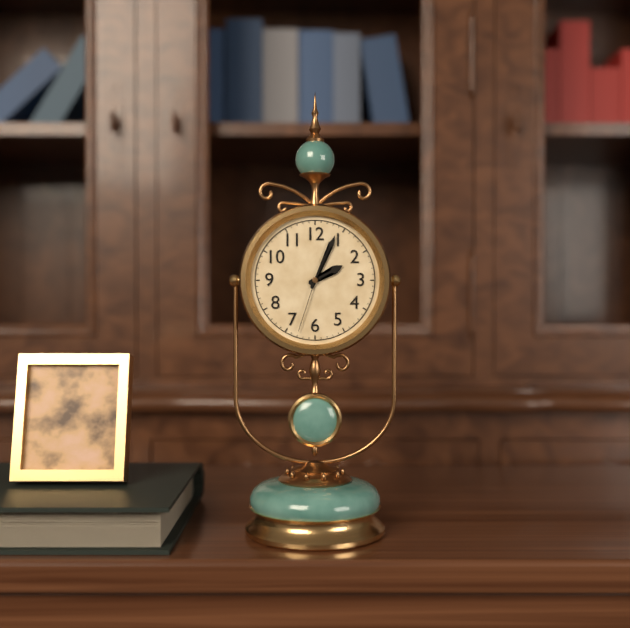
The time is 2h04m33s
